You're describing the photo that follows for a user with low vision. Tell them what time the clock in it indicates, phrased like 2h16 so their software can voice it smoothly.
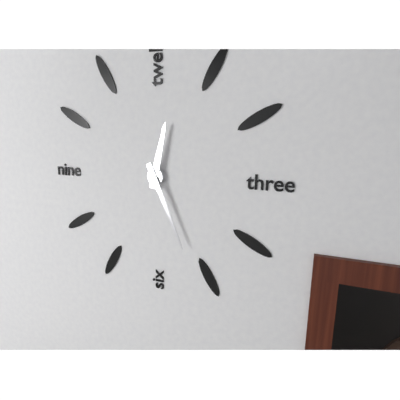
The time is 12h26
